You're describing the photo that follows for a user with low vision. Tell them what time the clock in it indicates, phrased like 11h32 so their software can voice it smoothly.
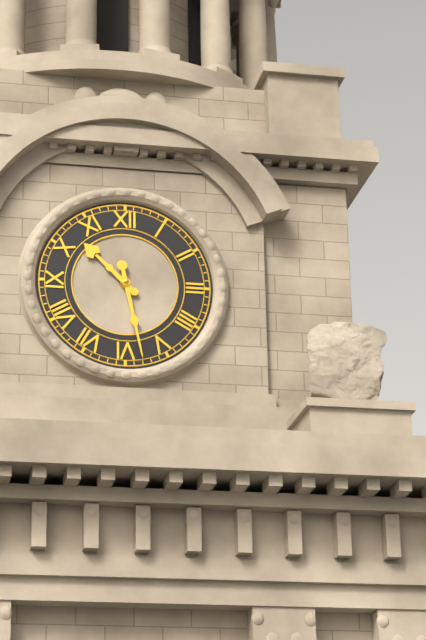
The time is 10h28
